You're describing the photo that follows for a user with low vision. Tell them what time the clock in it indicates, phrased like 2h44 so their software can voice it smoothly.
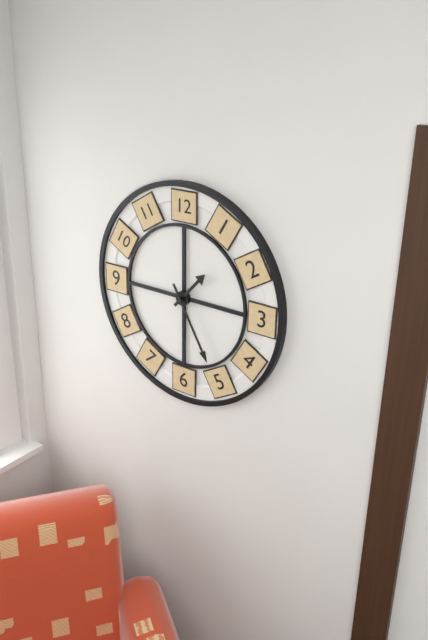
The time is 1h25
